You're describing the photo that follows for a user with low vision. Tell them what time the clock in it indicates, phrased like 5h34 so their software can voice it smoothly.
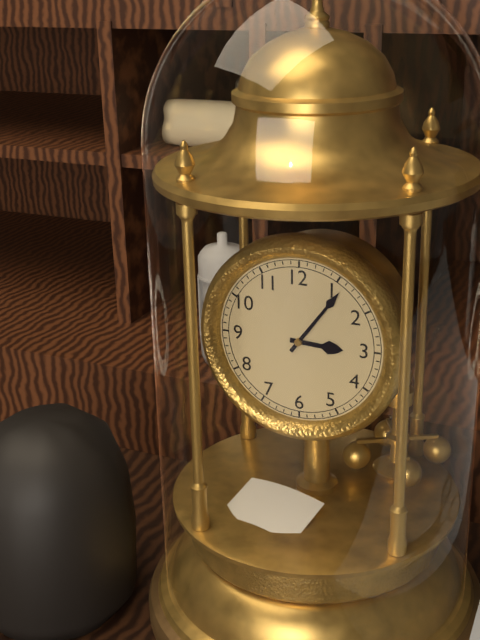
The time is 3h06
